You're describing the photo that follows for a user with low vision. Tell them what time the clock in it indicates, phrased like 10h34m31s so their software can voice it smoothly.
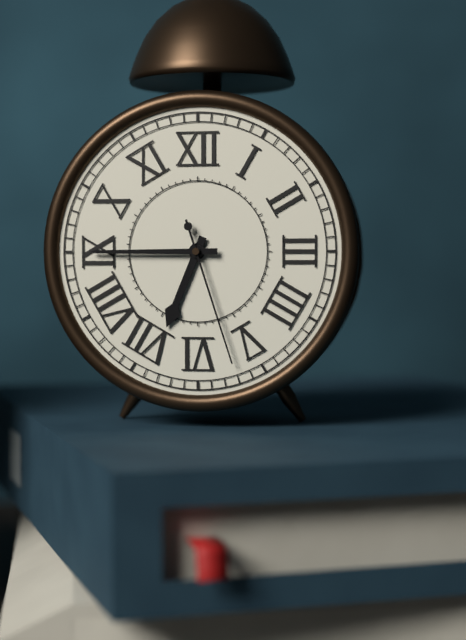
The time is 6h45m27s
